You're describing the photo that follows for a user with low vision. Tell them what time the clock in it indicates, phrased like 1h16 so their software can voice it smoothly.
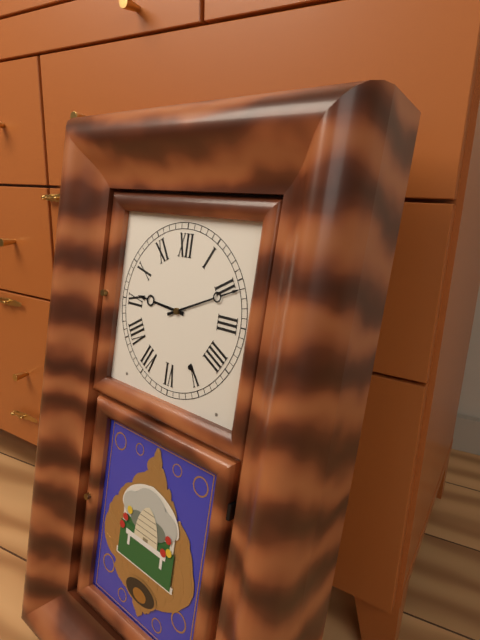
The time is 9h11
